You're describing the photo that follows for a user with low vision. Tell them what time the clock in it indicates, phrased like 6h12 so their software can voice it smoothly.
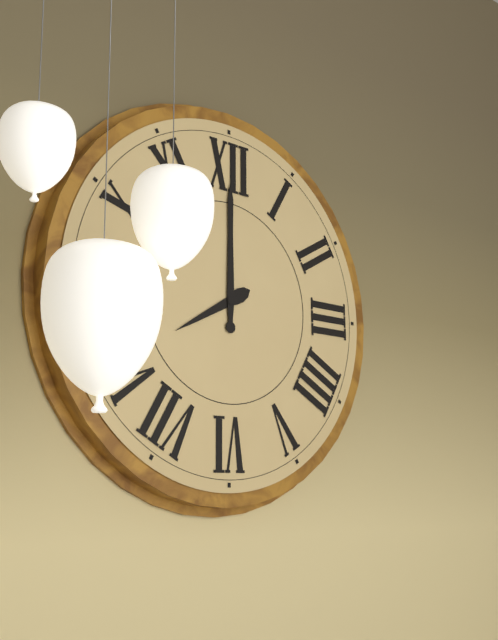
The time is 8h00
